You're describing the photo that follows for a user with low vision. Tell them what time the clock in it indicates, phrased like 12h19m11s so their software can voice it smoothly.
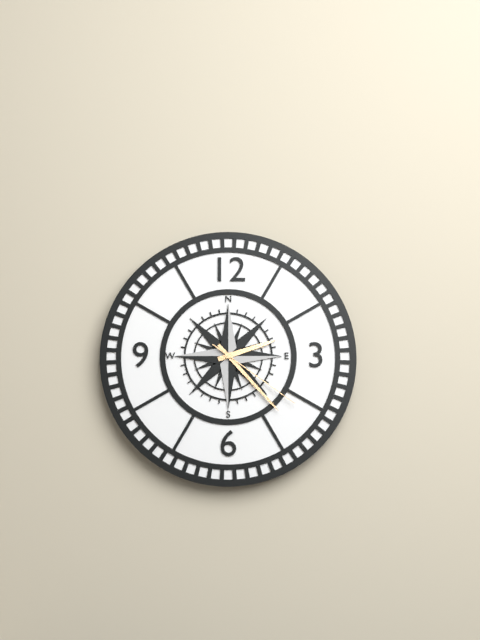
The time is 2h23m21s
